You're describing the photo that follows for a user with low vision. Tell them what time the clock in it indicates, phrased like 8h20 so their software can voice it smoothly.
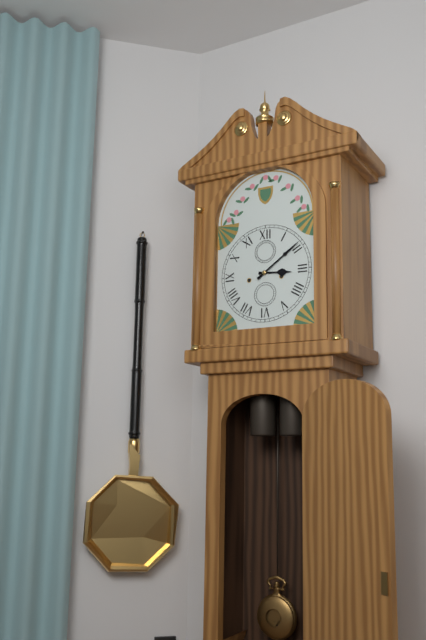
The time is 3h09
